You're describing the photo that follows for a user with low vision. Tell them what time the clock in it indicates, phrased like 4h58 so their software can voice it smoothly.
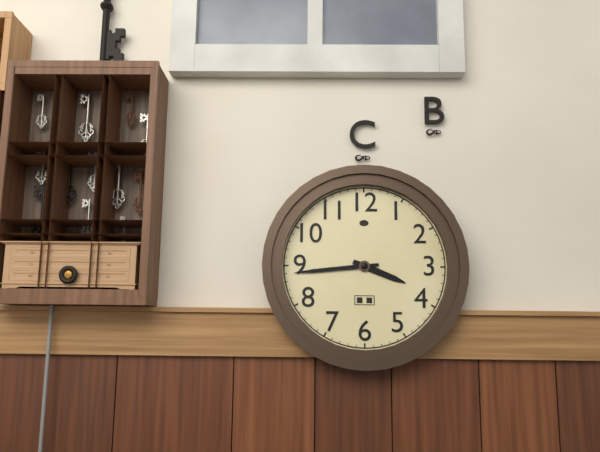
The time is 3h44
